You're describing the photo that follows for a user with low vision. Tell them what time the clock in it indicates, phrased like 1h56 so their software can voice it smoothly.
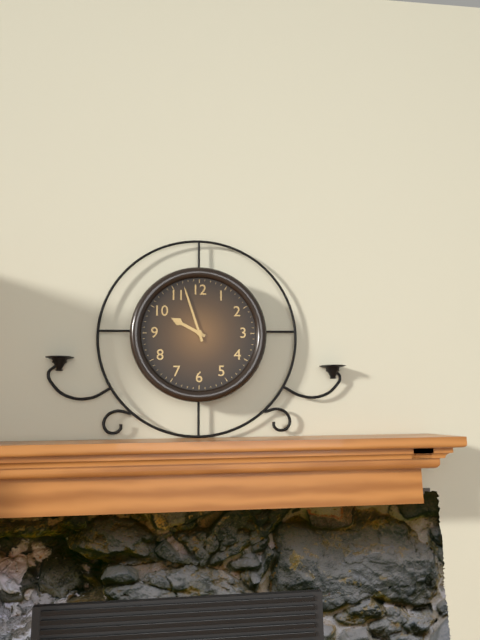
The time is 9h57
